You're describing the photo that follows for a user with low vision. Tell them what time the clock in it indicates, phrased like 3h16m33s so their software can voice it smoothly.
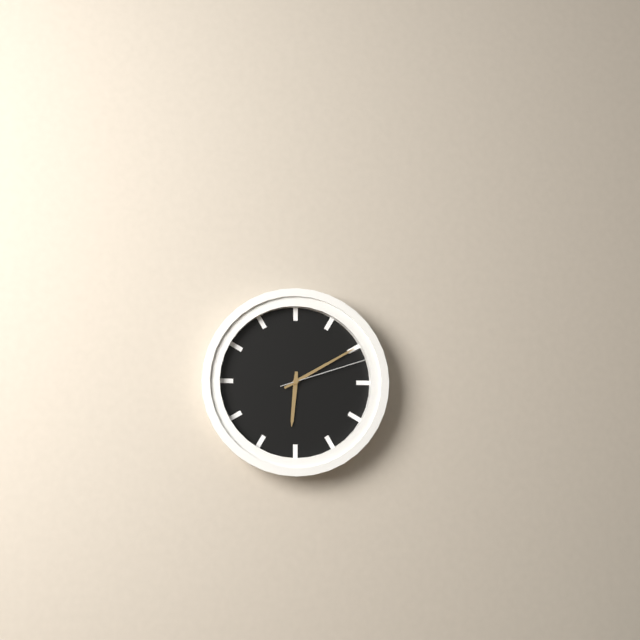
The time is 6h10m12s
